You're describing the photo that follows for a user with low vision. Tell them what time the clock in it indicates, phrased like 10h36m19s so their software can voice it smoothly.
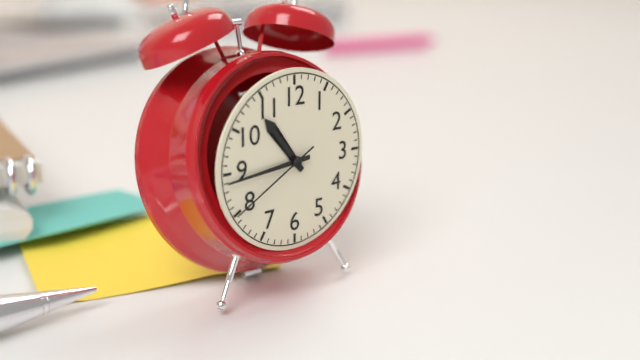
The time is 10h44m40s
